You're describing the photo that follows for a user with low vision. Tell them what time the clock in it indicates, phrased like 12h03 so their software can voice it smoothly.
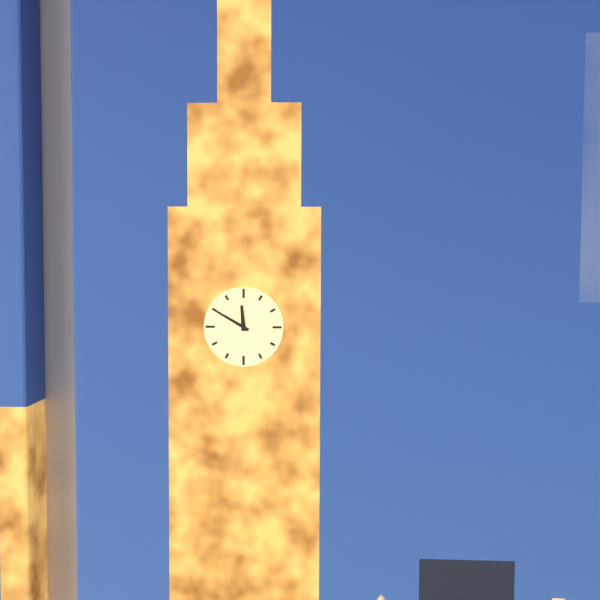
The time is 11h50
